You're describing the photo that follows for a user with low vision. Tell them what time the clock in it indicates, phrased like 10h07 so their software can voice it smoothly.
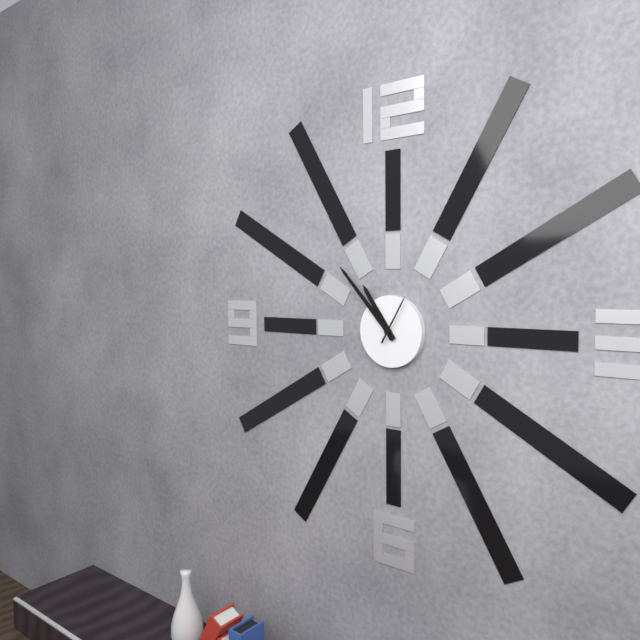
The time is 10h53
